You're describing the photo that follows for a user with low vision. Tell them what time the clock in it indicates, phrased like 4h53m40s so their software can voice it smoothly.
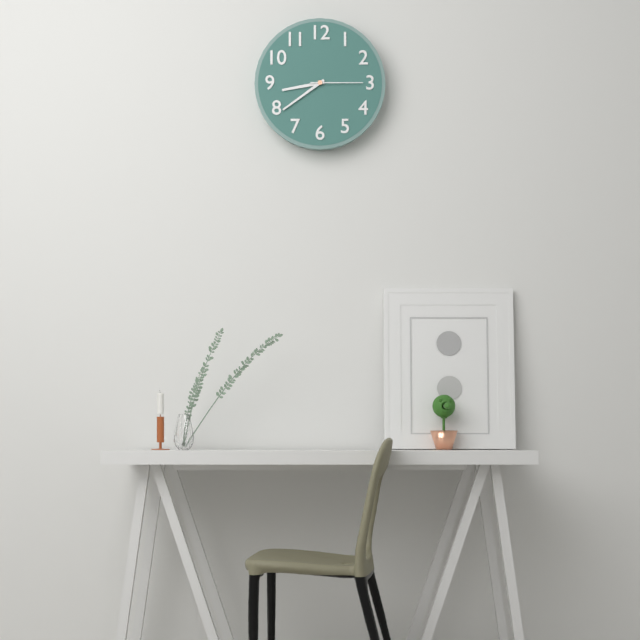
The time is 8h39m15s
